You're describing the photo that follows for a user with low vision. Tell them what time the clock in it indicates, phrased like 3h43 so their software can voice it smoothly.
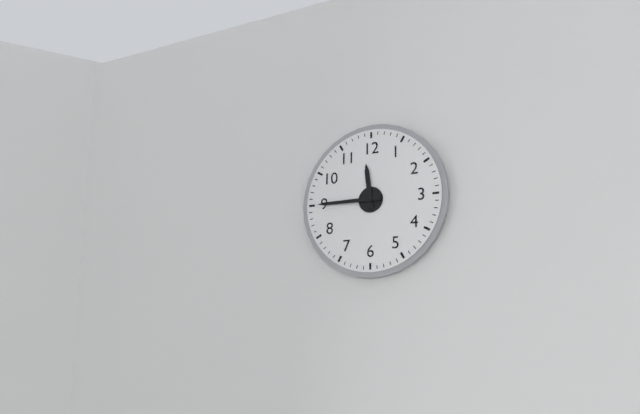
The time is 11h45
